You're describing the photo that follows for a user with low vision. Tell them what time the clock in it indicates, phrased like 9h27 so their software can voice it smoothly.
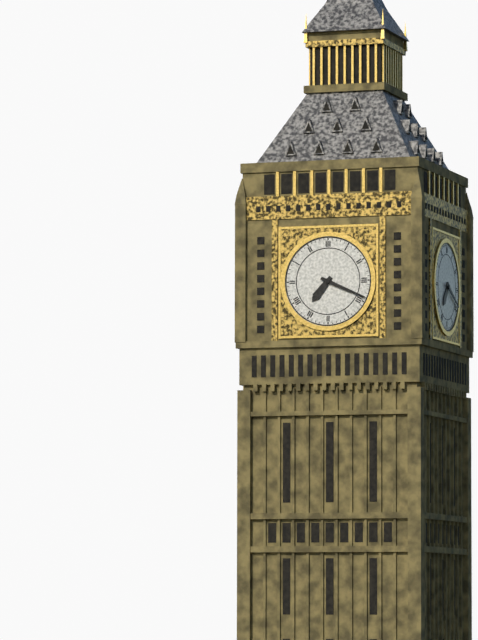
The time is 7h19
